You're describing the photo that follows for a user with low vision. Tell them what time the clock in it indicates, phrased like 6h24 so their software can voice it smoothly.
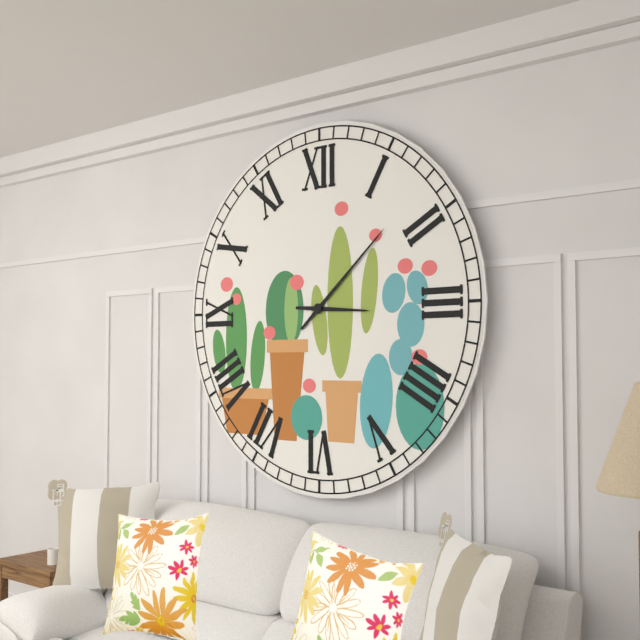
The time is 3h08
